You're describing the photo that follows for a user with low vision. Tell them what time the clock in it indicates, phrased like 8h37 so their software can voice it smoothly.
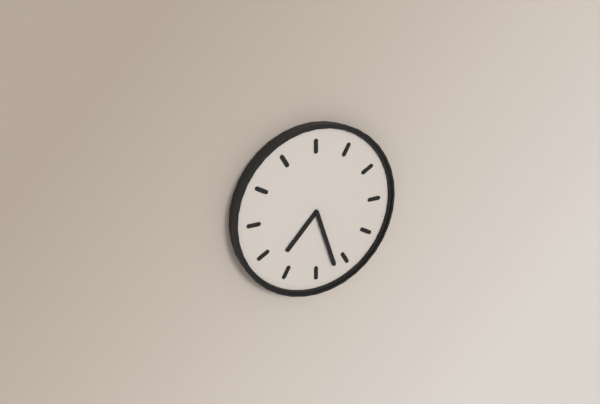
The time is 7h27
